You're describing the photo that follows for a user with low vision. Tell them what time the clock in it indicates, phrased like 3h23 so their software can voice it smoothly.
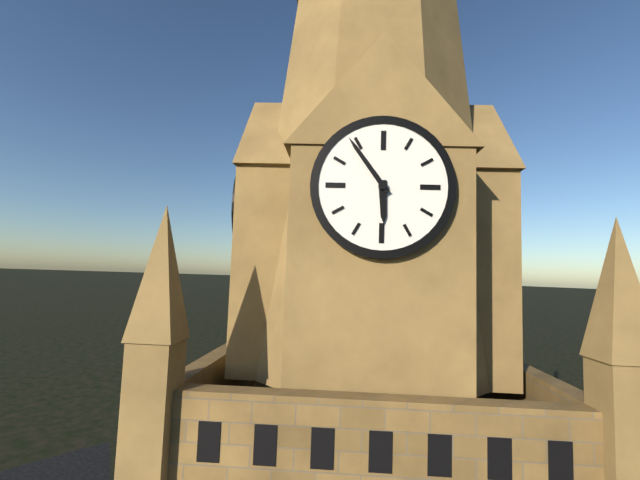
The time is 5h54
